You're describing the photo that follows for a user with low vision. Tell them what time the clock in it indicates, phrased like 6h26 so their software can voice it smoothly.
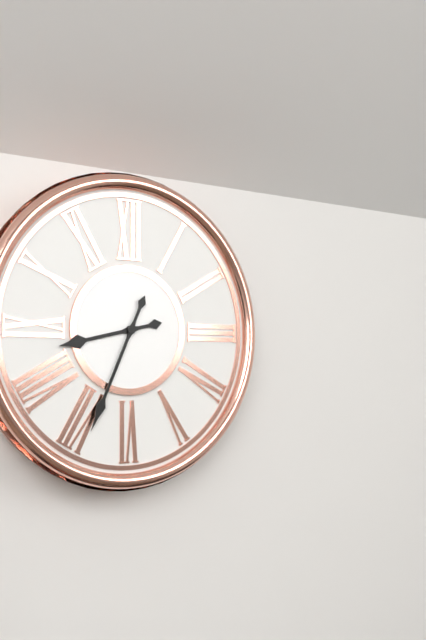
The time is 8h34
